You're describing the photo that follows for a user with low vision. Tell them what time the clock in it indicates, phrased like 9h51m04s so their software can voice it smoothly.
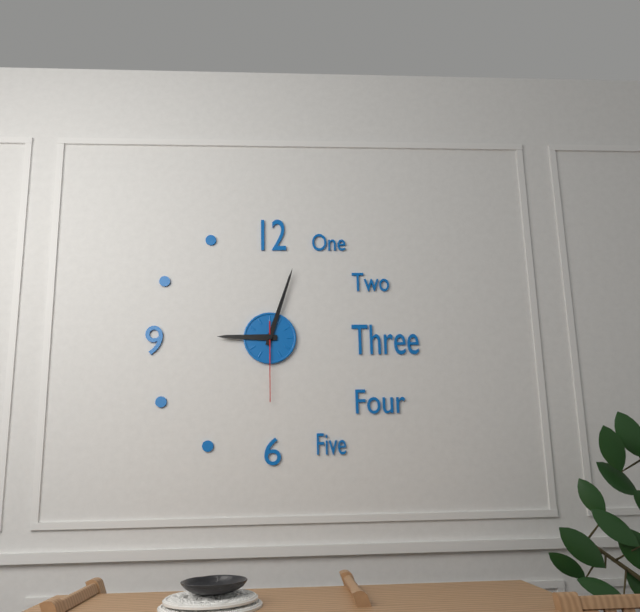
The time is 9h03m30s
